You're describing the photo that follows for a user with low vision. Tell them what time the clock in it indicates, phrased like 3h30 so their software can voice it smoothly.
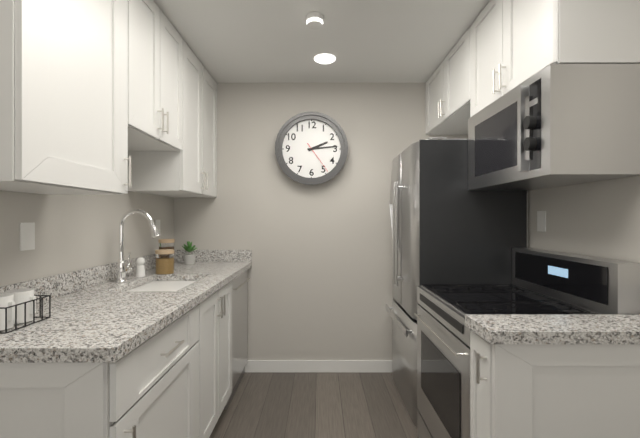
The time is 2h14
